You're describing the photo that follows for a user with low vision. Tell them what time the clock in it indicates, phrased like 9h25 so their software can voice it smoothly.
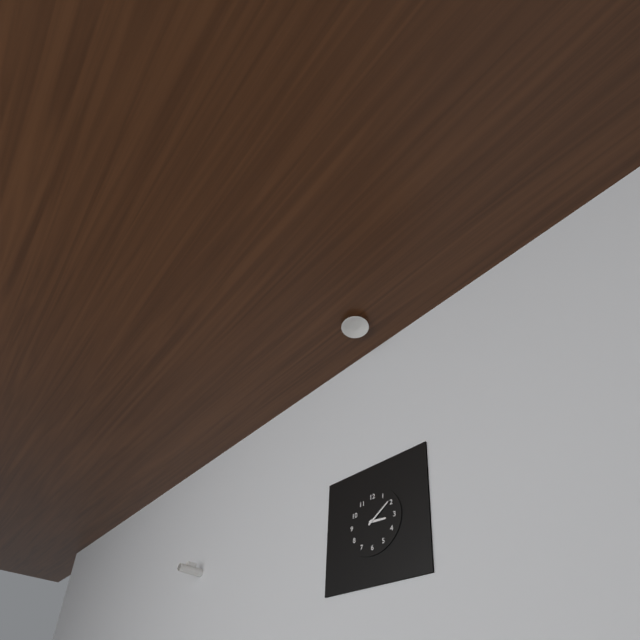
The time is 3h09
